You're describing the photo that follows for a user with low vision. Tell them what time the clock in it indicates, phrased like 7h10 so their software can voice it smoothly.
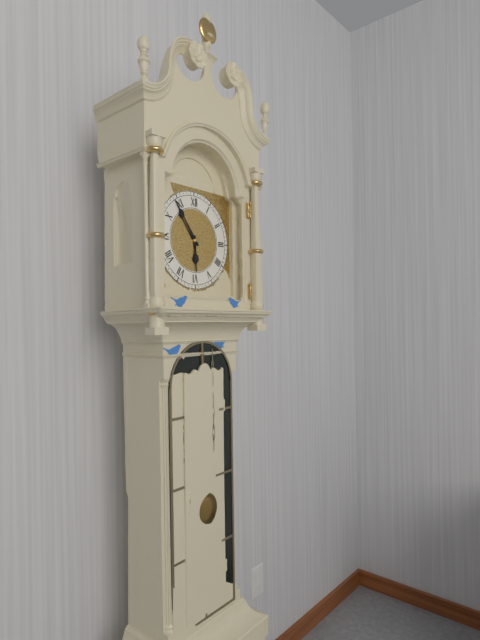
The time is 5h54
